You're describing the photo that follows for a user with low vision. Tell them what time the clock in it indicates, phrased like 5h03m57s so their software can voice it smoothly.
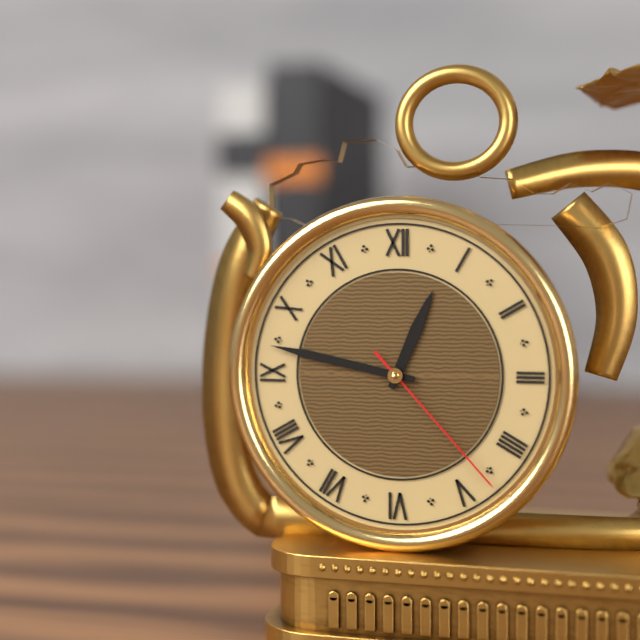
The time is 12h47m23s
